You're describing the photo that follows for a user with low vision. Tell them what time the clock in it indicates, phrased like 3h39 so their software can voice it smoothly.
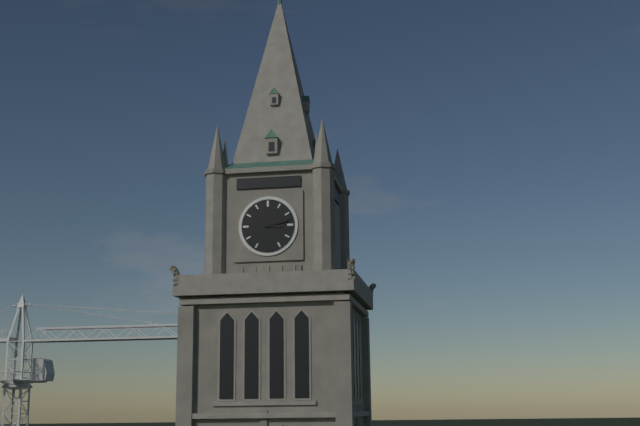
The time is 3h13
